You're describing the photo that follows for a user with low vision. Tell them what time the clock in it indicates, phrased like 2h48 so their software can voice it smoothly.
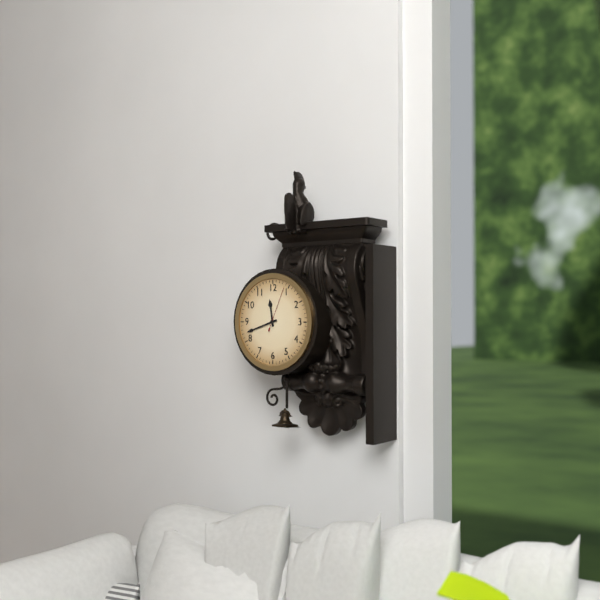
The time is 11h42
